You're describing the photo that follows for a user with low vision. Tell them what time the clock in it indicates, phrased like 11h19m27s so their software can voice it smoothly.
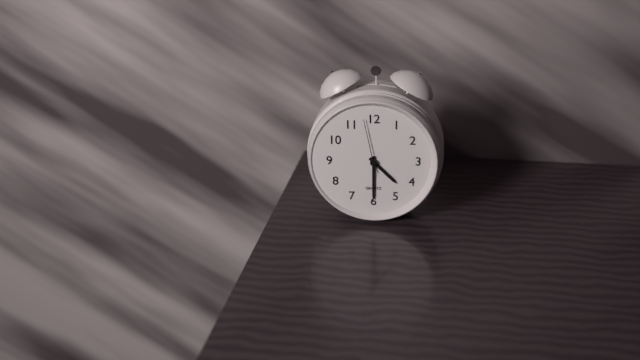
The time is 4h30m58s
